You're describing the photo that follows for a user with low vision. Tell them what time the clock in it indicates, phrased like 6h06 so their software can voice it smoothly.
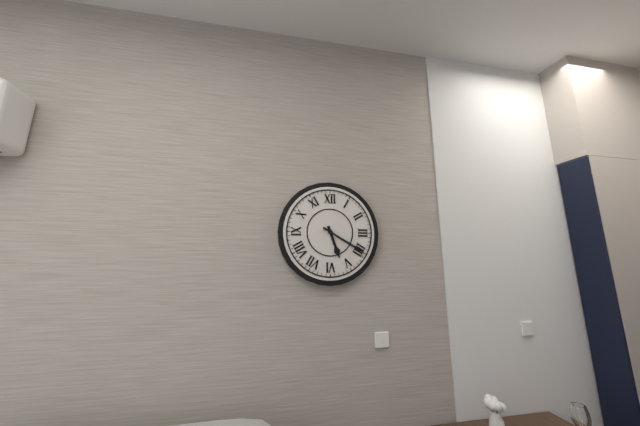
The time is 5h20
